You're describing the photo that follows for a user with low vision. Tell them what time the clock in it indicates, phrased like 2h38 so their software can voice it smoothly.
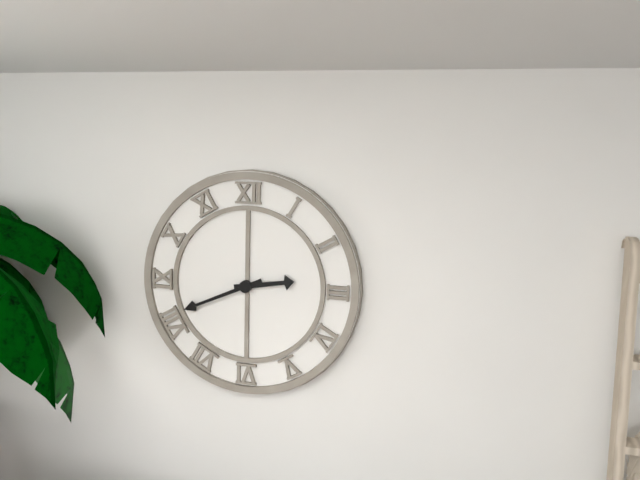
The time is 2h41
